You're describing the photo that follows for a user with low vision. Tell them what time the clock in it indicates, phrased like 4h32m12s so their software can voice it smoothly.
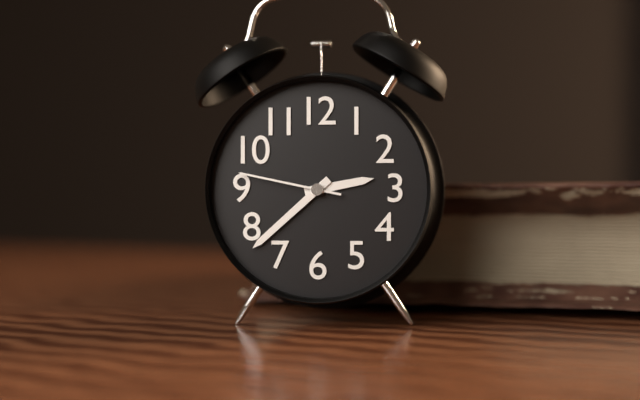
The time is 2h38m47s
